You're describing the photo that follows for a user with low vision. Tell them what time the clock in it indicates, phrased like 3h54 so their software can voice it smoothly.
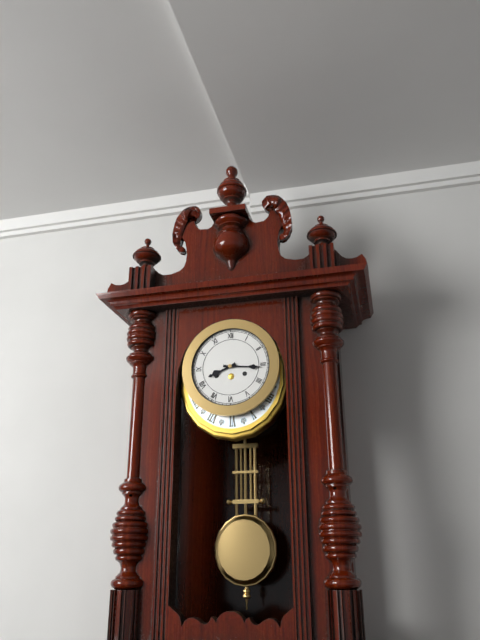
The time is 8h16
